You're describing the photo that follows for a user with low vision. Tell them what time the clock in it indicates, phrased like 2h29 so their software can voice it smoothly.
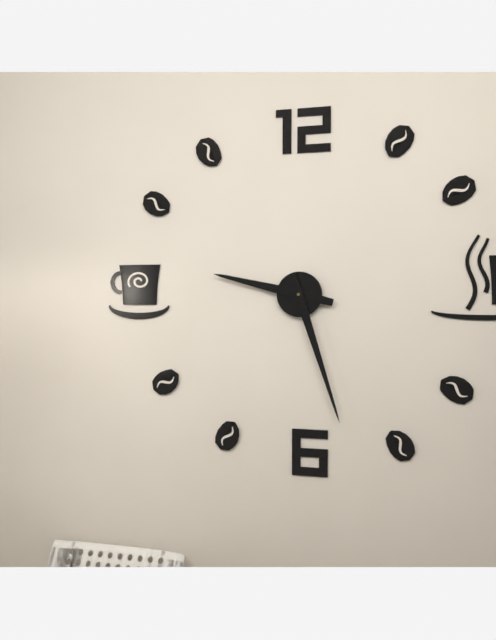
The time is 9h27
